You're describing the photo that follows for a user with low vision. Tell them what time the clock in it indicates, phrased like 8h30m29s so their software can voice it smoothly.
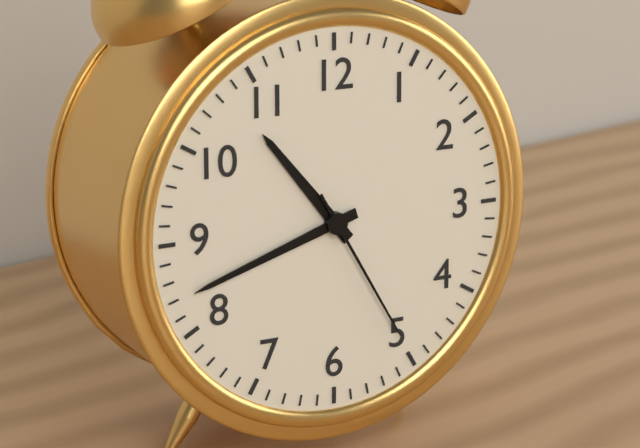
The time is 10h42m25s
